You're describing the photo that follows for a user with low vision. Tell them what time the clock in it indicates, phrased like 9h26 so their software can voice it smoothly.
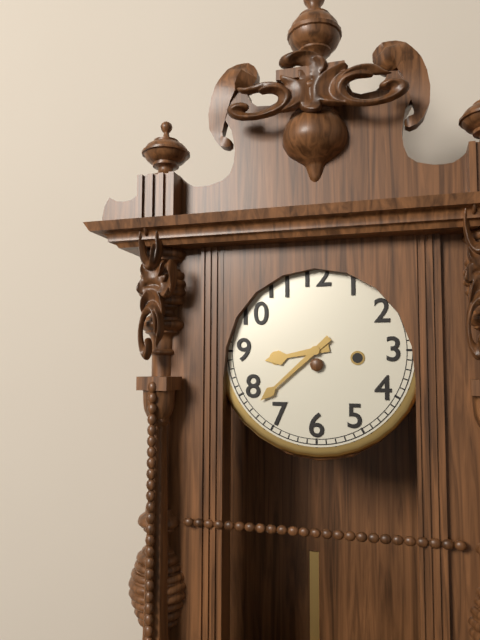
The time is 8h38
